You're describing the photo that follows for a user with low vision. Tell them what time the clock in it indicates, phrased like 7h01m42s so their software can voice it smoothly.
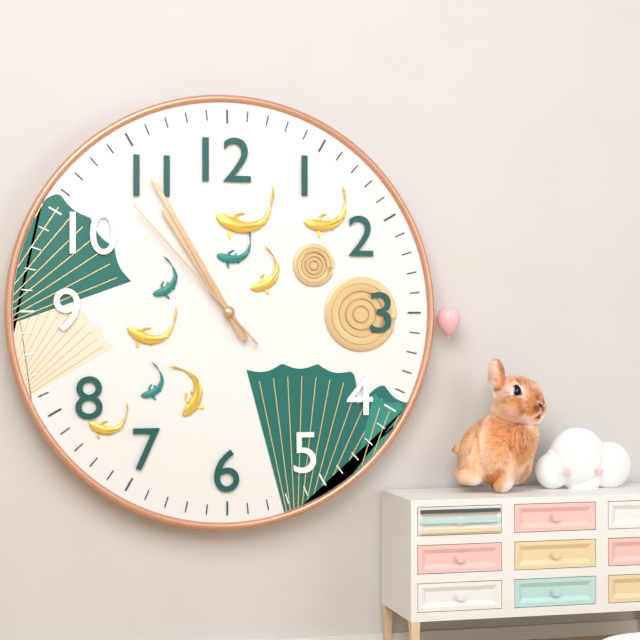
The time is 10h55m53s
